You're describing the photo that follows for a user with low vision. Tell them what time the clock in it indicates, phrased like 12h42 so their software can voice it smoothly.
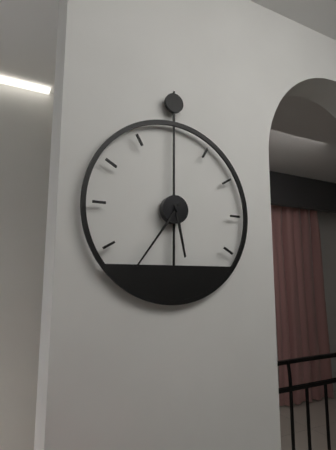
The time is 5h36
